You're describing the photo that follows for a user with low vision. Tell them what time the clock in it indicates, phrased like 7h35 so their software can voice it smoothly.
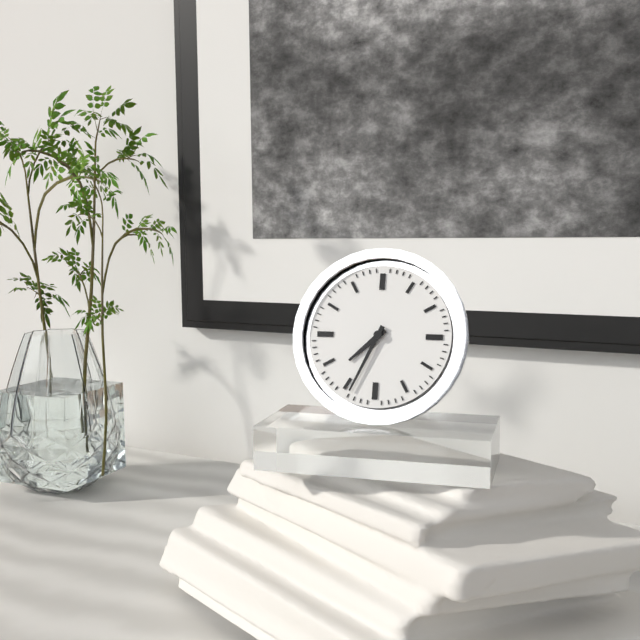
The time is 7h34
